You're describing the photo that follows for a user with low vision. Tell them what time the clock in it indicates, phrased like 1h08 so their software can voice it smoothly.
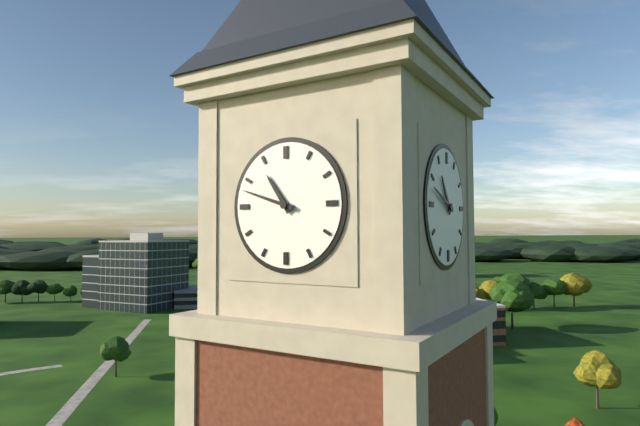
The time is 10h48
